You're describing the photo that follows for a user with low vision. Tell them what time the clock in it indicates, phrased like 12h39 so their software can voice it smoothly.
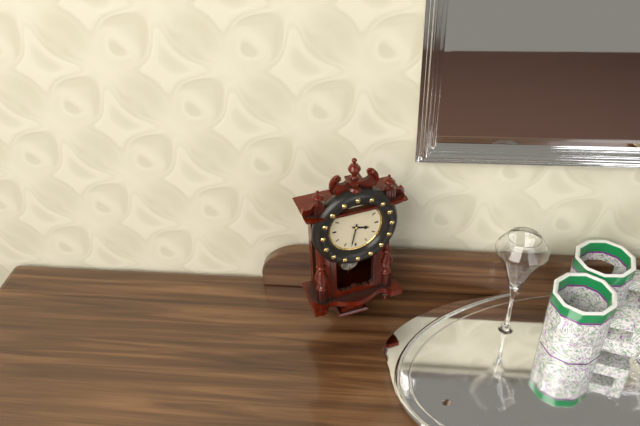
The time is 3h32
